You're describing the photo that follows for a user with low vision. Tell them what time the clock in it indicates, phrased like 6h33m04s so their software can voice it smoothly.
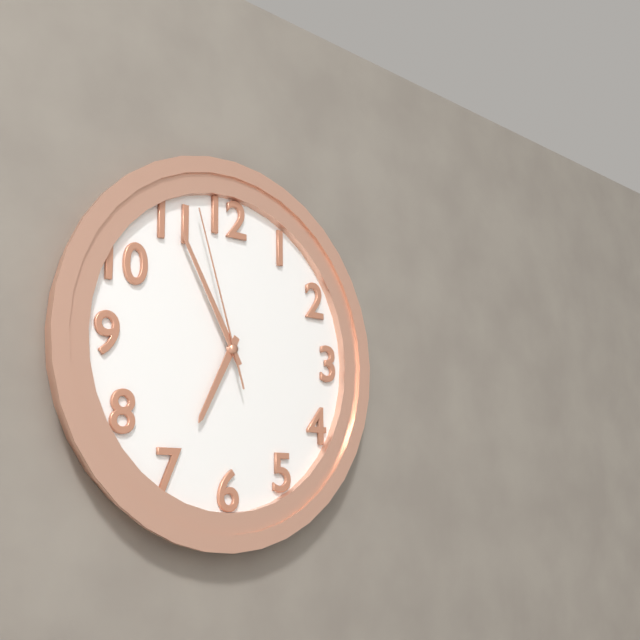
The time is 6h55m57s
